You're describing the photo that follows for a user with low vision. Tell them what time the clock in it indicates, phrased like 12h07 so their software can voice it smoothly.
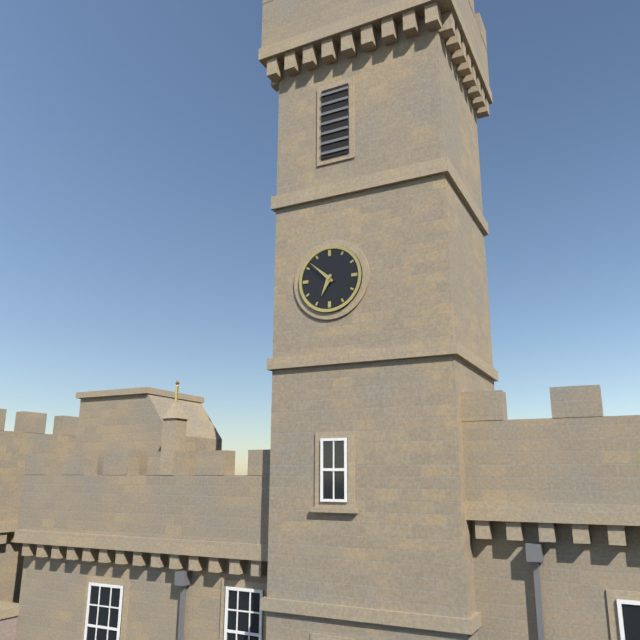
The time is 6h52
